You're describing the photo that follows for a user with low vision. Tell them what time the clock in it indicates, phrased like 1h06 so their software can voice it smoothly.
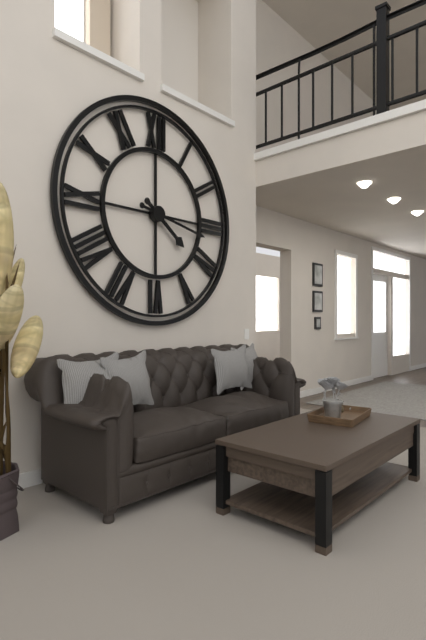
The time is 4h17
